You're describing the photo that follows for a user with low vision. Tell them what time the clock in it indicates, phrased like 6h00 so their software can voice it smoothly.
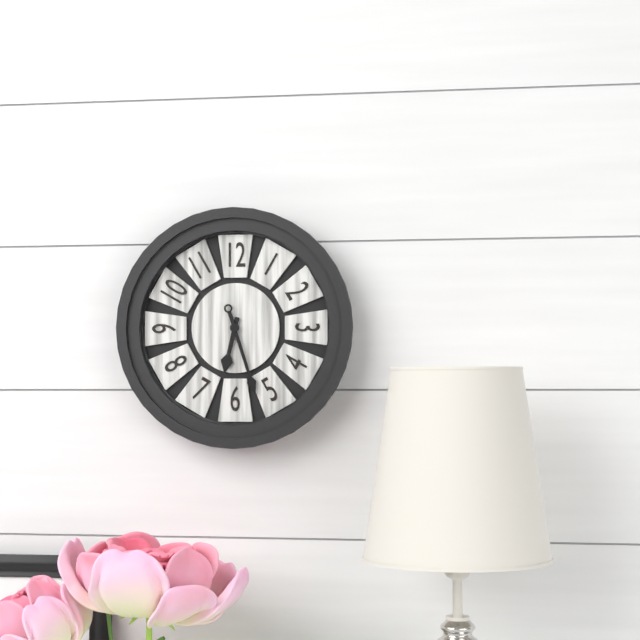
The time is 6h27
